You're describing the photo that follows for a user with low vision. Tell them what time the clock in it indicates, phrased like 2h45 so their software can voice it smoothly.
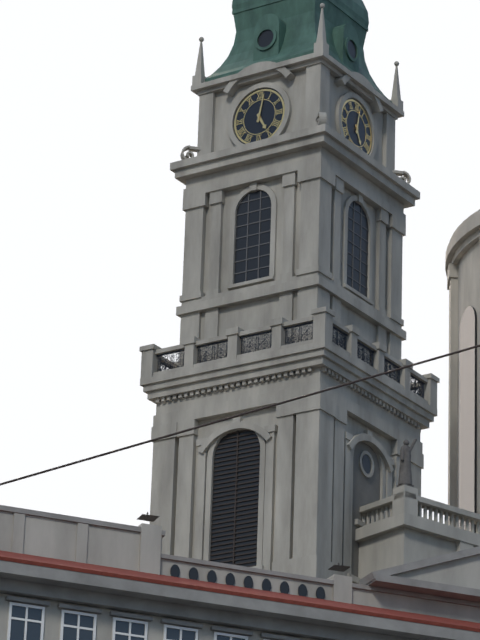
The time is 5h02
